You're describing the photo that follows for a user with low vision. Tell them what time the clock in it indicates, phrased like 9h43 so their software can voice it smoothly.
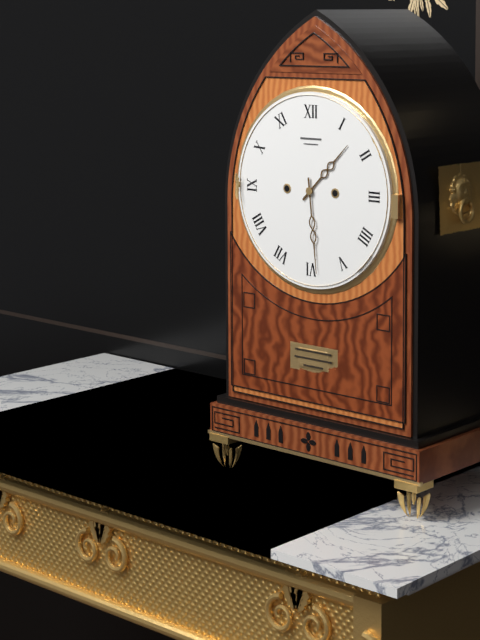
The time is 1h29
